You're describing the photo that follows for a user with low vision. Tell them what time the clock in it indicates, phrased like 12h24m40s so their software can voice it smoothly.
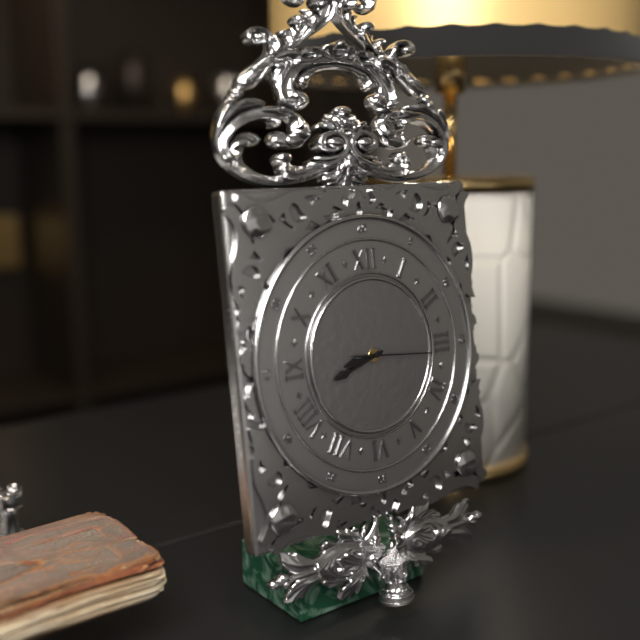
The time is 8h42m16s
